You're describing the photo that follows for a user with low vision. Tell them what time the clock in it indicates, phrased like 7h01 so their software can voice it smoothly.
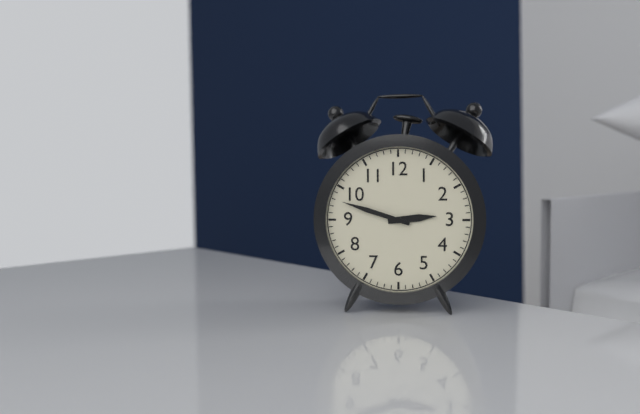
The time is 2h48
